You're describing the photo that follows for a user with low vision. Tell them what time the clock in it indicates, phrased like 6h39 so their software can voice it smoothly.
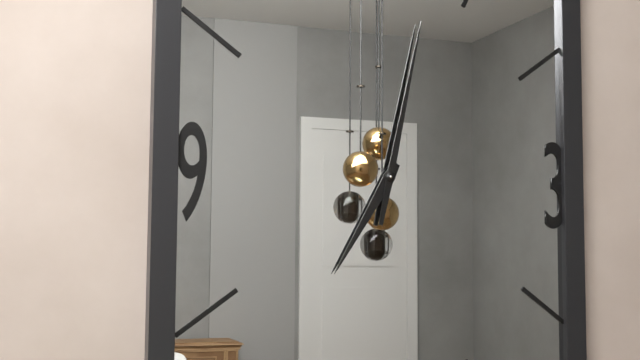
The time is 7h02
